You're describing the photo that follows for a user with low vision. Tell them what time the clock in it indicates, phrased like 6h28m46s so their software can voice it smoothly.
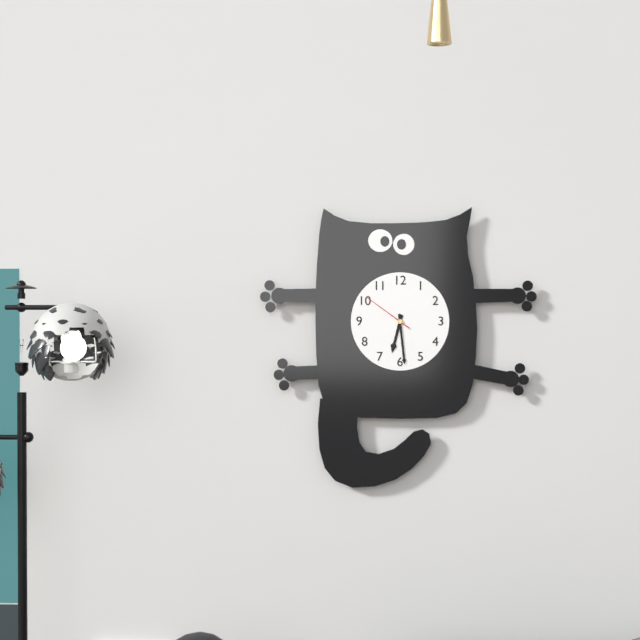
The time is 6h29m51s
